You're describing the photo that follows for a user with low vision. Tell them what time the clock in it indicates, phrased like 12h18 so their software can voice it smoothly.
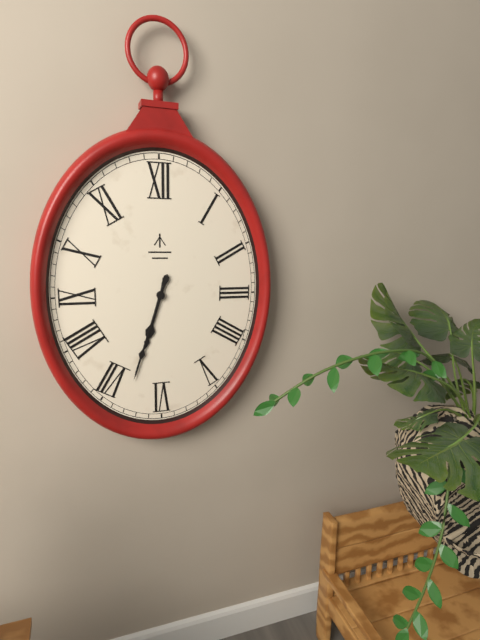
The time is 6h33
